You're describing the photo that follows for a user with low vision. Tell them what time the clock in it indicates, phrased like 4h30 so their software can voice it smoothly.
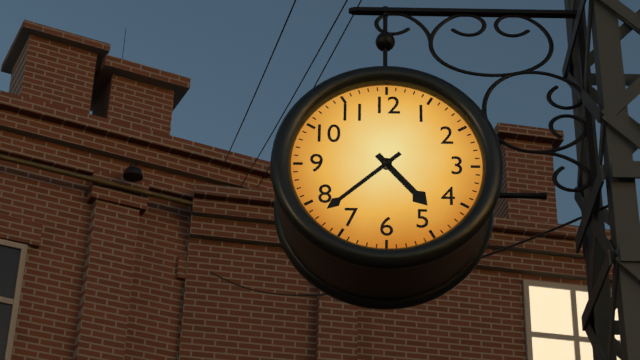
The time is 4h38
